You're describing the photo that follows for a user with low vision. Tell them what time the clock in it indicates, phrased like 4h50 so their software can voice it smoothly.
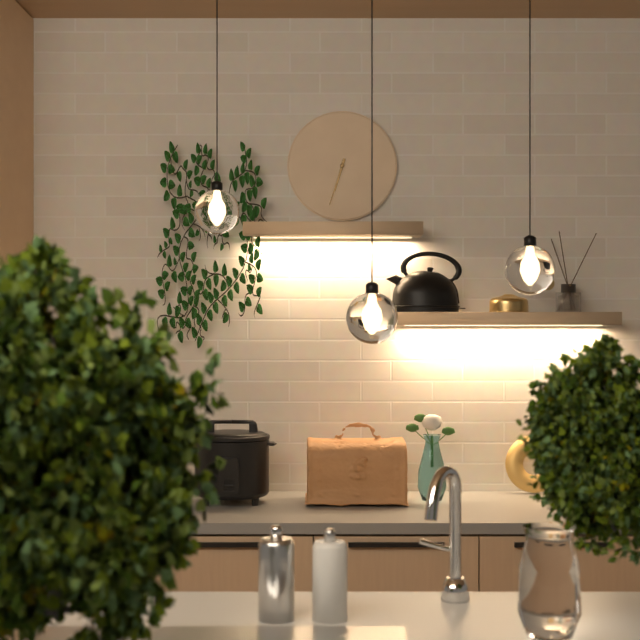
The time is 6h33
